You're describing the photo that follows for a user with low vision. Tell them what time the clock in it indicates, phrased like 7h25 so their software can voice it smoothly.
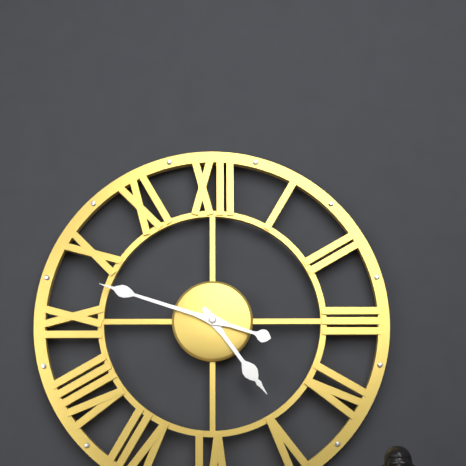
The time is 4h48
